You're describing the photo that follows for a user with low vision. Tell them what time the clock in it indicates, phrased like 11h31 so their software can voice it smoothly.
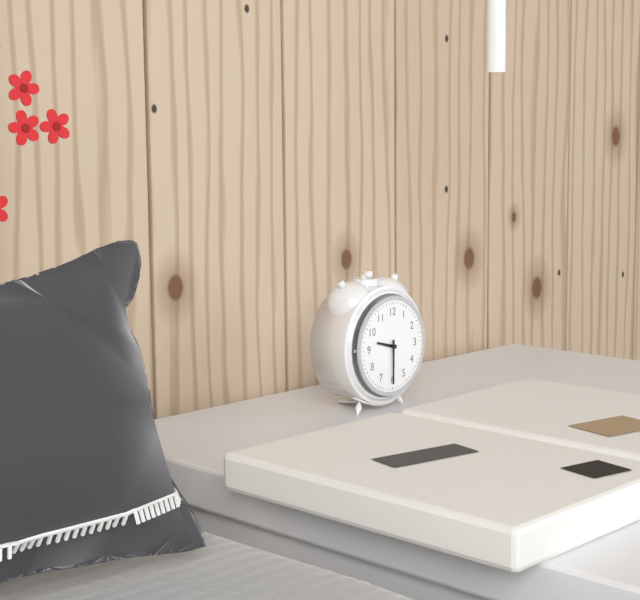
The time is 9h30
